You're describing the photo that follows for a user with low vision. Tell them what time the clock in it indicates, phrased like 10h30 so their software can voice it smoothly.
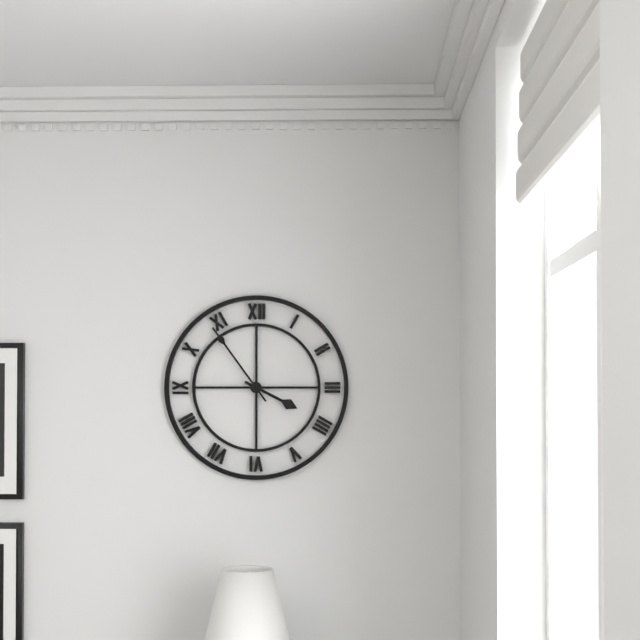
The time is 3h54
